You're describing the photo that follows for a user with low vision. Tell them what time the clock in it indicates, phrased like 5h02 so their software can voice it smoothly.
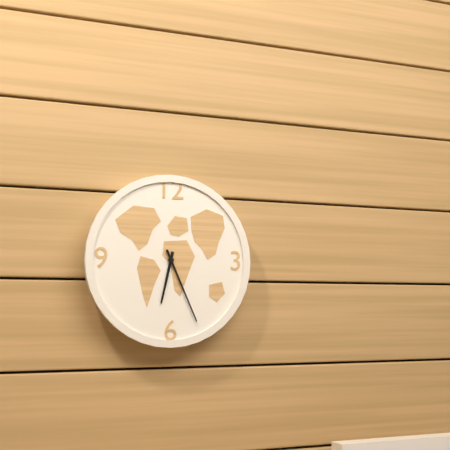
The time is 6h26
